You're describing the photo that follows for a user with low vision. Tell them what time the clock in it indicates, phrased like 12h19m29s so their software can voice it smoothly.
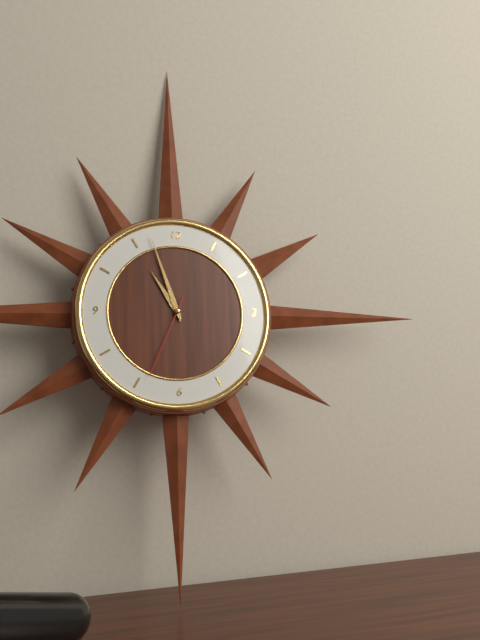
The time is 10h57m34s
